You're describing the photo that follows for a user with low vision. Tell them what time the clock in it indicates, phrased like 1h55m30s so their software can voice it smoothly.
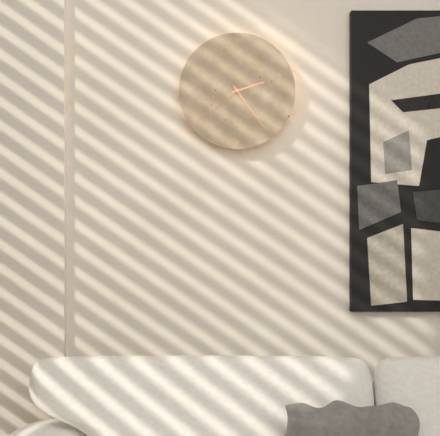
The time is 2h24m39s
